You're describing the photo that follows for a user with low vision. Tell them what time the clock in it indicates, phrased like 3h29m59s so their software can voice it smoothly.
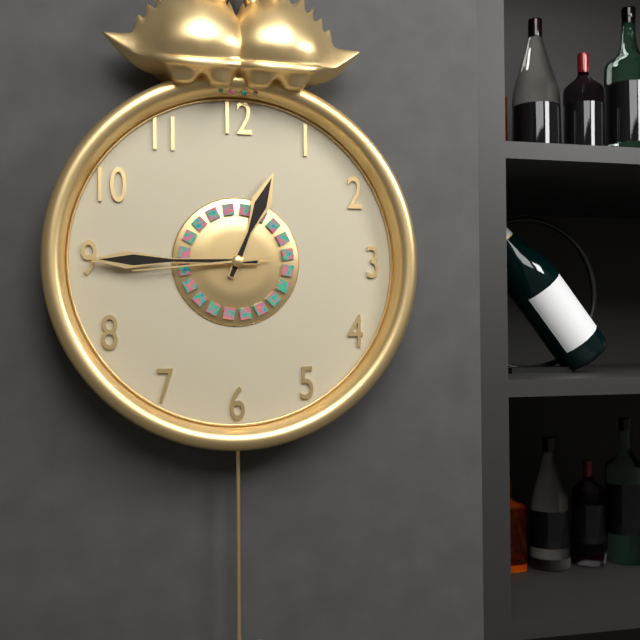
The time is 12h45m44s
